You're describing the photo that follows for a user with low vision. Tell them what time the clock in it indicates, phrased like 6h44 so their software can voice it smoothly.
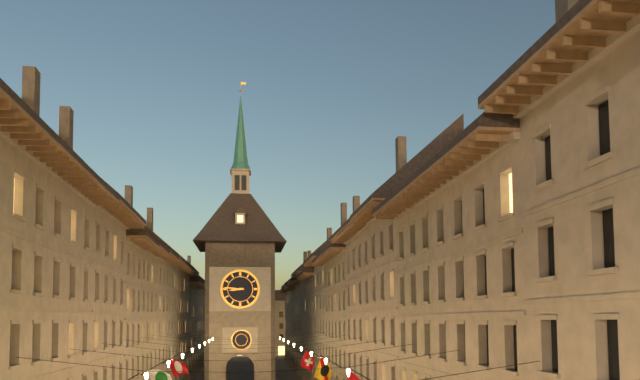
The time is 8h46
